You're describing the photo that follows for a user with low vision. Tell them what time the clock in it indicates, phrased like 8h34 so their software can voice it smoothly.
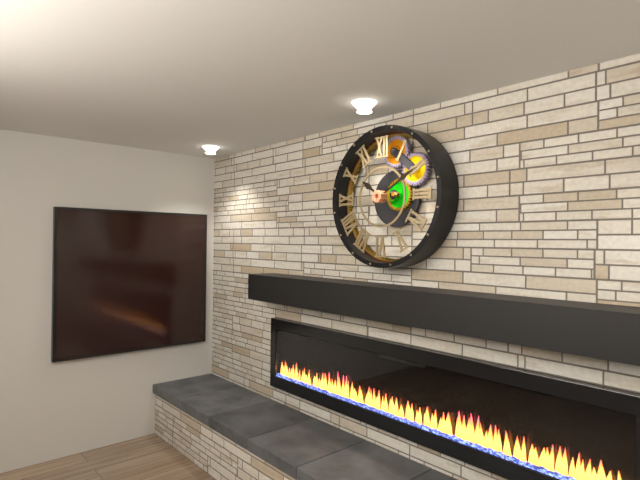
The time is 10h10
